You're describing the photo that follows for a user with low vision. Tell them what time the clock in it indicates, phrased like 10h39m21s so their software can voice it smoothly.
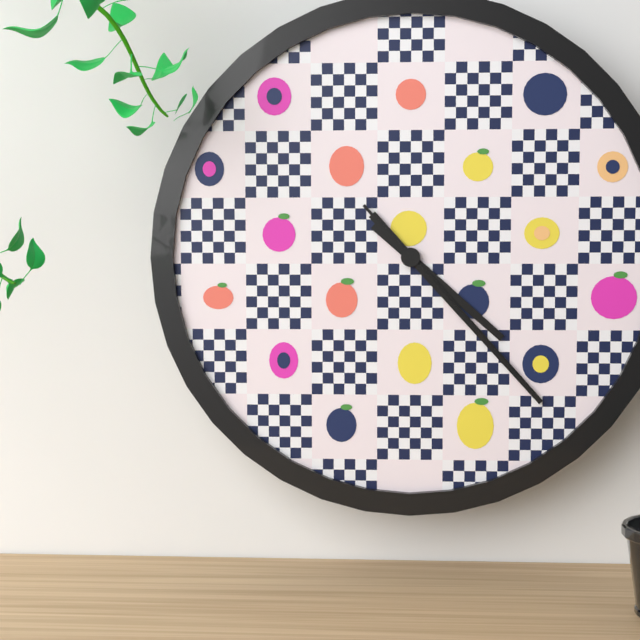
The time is 4h23m23s
